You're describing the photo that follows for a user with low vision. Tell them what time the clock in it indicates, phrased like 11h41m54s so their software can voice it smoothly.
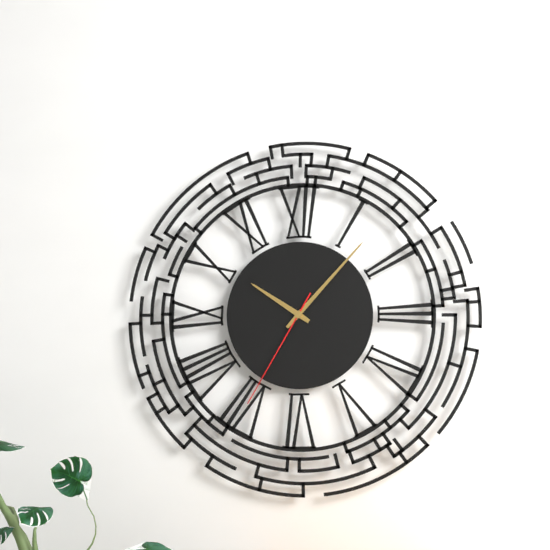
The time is 10h07m35s
